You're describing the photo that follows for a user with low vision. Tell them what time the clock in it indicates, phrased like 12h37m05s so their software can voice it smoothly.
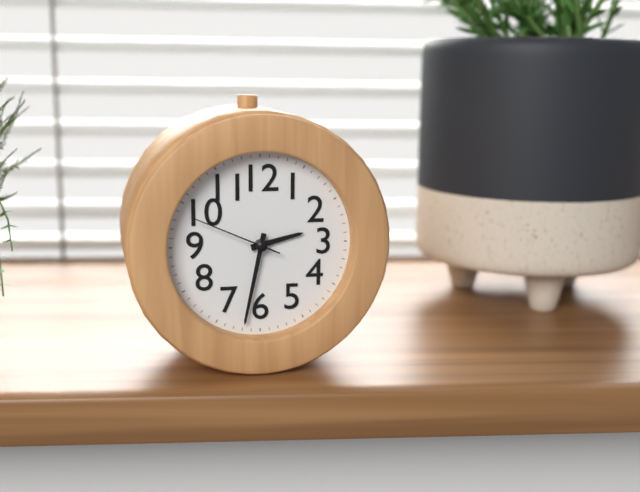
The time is 2h32m49s
